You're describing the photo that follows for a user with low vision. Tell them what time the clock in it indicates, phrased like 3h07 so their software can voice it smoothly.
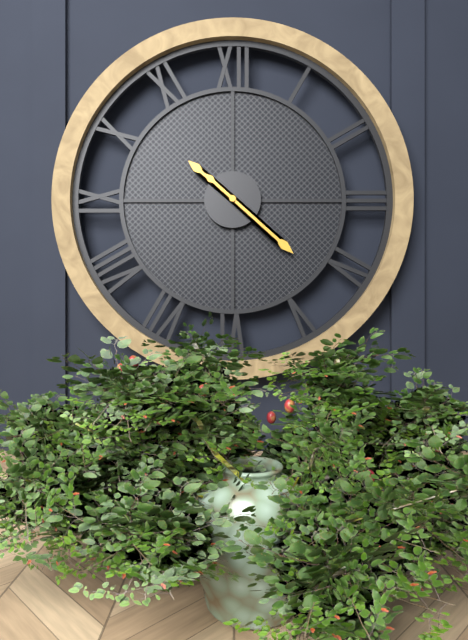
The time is 10h22
